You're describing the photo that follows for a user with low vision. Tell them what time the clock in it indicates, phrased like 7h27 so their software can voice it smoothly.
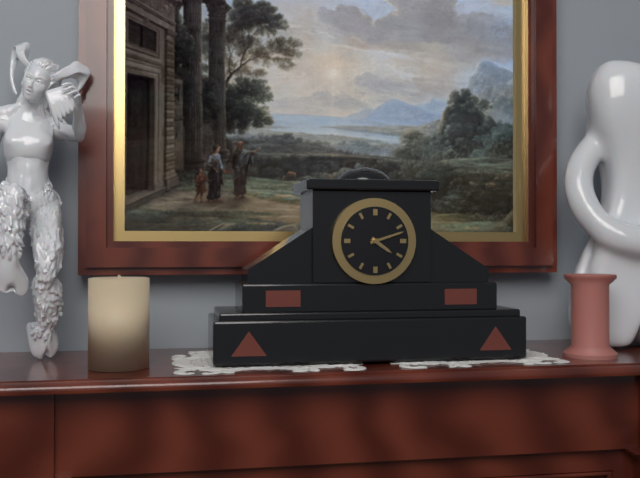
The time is 4h12
